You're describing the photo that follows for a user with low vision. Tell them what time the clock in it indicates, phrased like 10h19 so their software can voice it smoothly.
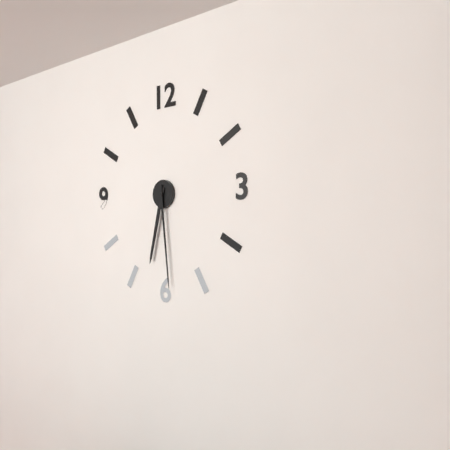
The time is 6h29
